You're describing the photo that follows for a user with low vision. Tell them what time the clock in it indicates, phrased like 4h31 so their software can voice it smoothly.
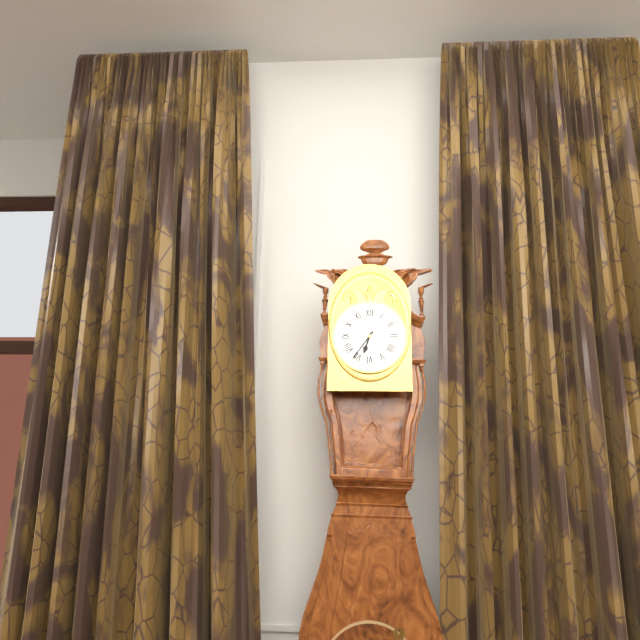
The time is 6h36
